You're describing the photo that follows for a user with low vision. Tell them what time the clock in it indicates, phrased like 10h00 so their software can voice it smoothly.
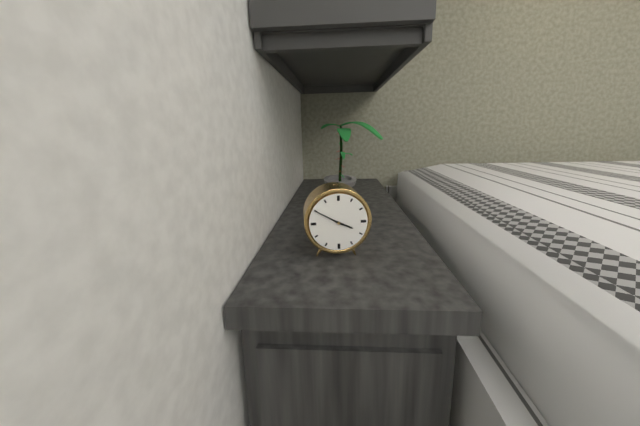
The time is 3h50
